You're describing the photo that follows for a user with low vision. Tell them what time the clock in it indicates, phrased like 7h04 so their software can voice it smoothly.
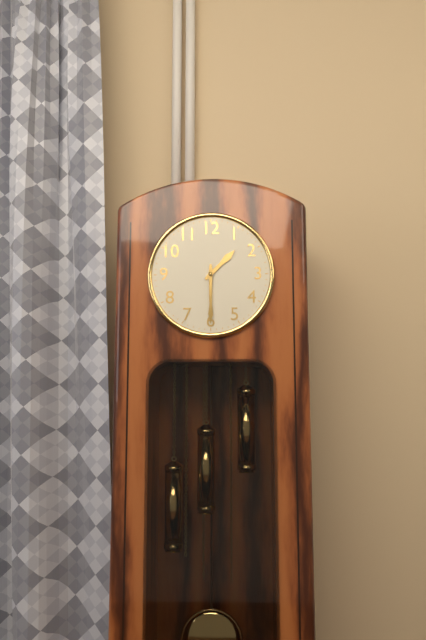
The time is 1h30
